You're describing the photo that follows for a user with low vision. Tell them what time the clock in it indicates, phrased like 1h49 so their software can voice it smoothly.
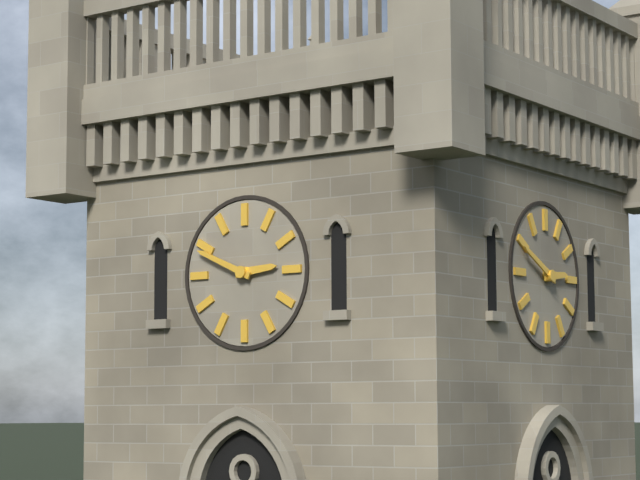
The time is 2h49
